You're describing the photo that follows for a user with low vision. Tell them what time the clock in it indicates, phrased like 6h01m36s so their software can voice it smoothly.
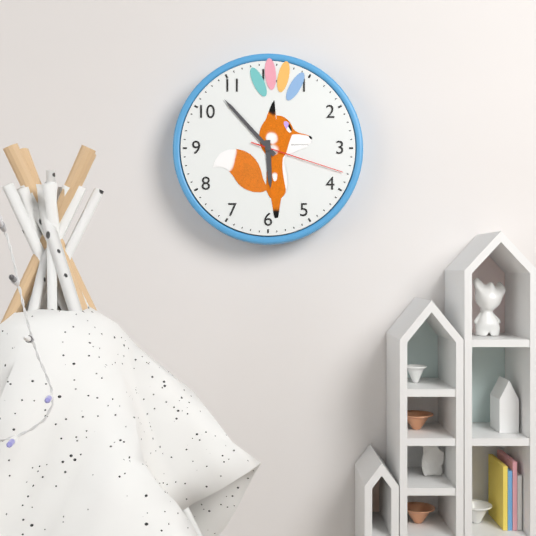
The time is 5h53m18s
